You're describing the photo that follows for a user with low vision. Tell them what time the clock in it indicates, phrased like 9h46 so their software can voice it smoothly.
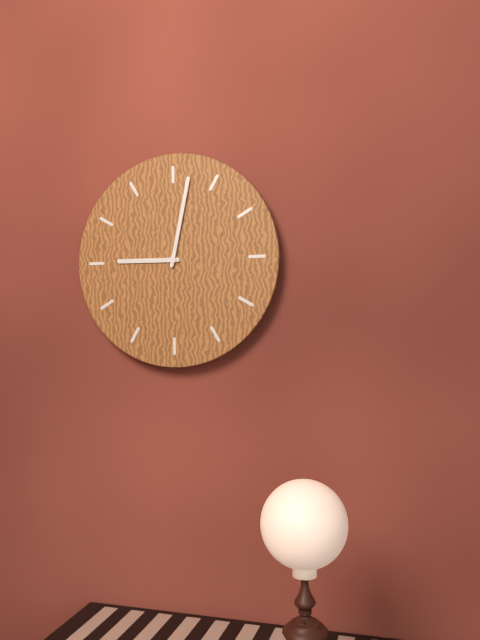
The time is 9h02
